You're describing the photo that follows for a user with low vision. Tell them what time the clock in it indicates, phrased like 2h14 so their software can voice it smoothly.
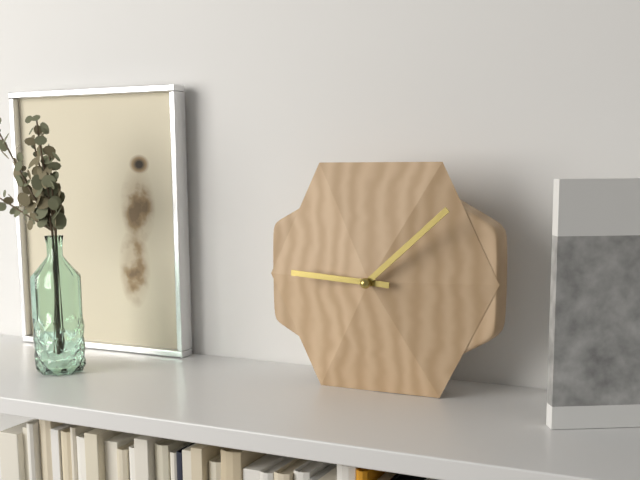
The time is 9h08
